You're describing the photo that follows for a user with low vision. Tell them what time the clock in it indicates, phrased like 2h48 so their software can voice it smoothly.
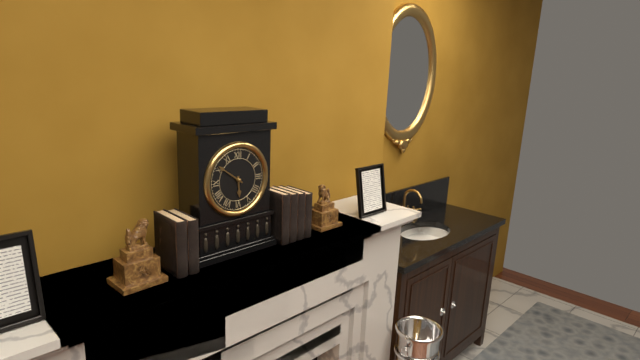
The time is 5h51
